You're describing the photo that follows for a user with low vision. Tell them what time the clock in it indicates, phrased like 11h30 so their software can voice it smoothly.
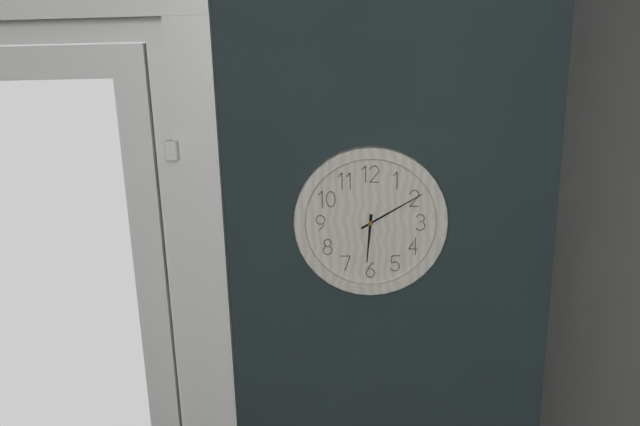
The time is 6h10
